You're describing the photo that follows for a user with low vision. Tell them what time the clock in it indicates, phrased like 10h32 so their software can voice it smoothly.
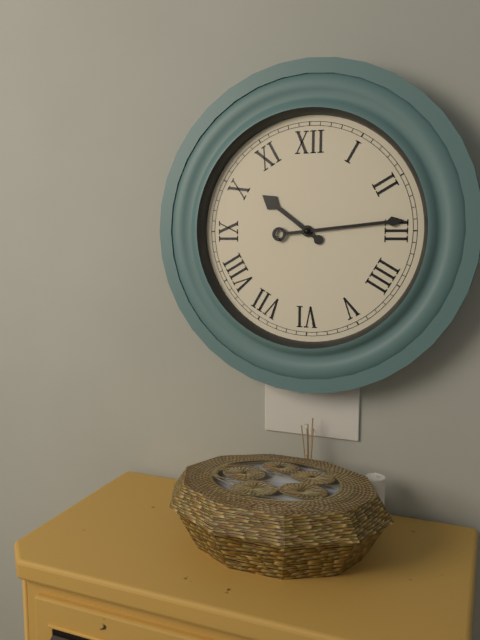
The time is 10h14
